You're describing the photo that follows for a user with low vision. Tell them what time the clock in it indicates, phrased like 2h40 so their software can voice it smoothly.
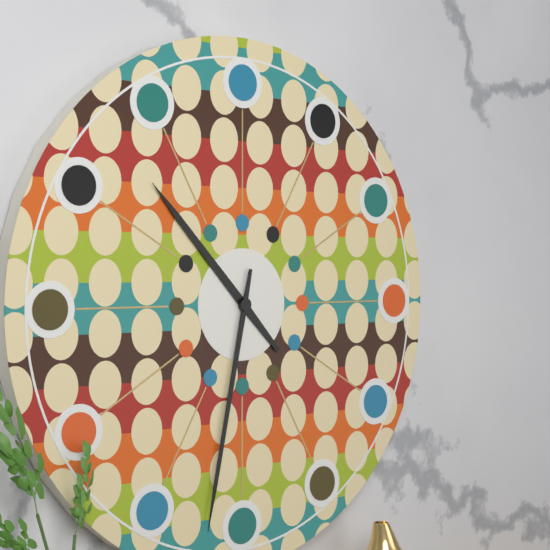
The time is 10h32
